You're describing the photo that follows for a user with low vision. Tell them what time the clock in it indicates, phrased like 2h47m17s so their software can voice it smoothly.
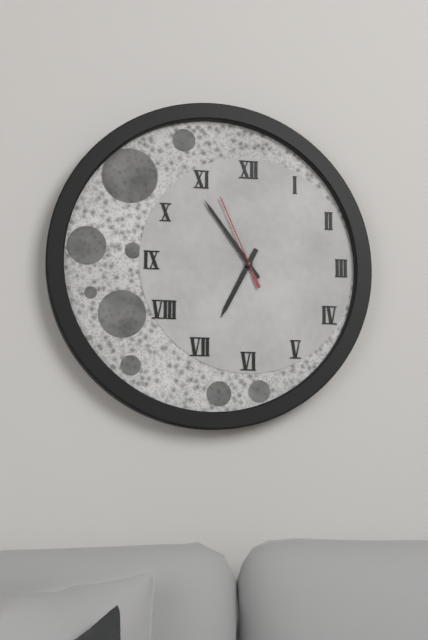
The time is 6h54m56s
